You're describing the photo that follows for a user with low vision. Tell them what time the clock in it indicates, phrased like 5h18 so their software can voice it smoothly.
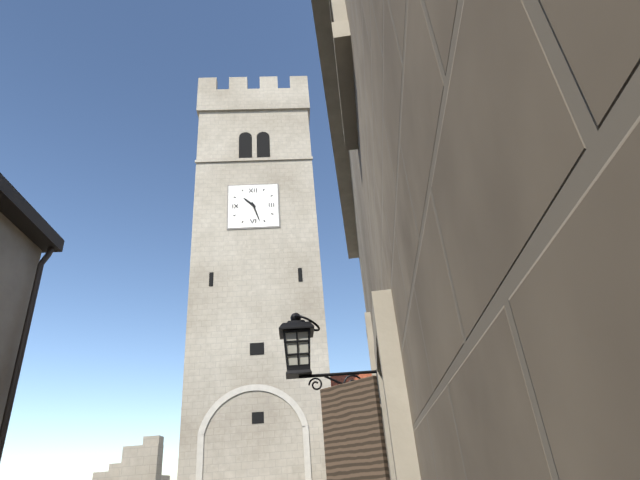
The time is 10h27
